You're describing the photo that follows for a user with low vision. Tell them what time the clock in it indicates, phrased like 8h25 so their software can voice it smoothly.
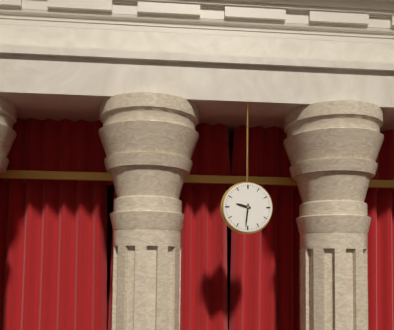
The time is 9h31
